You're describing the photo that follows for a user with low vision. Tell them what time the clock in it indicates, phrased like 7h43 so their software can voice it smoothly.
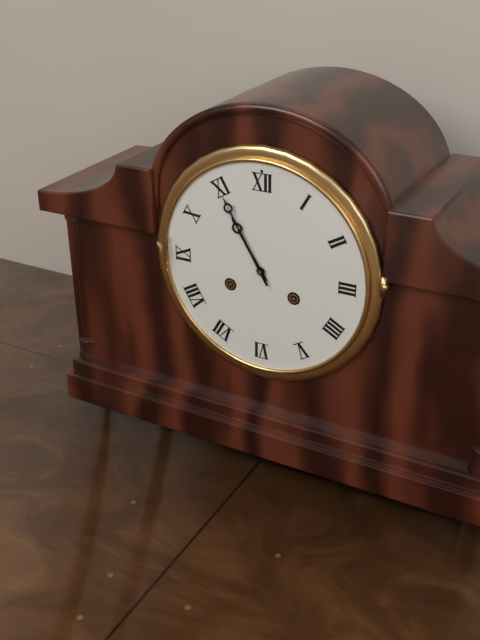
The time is 10h55
